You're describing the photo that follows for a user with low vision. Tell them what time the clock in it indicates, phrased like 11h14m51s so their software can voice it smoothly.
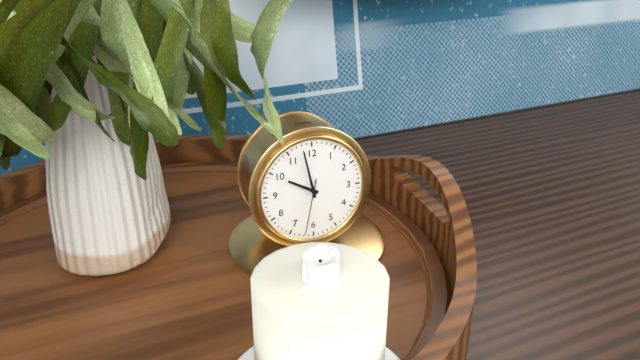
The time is 9h58m32s
